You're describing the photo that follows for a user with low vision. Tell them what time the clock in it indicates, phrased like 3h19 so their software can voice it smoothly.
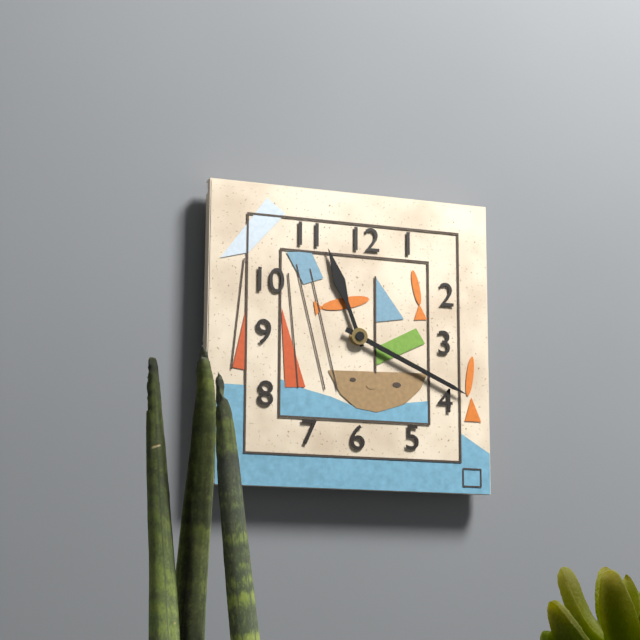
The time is 11h19
